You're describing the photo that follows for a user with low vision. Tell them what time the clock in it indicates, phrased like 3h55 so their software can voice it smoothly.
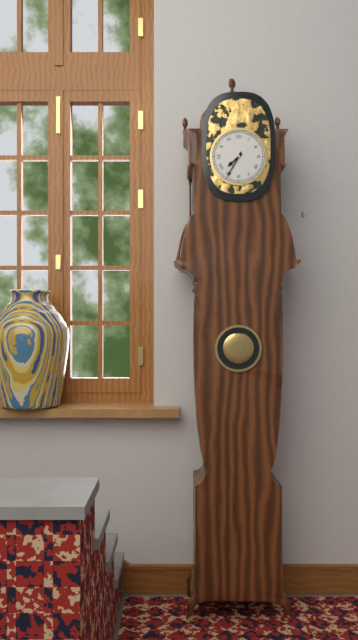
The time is 7h35
